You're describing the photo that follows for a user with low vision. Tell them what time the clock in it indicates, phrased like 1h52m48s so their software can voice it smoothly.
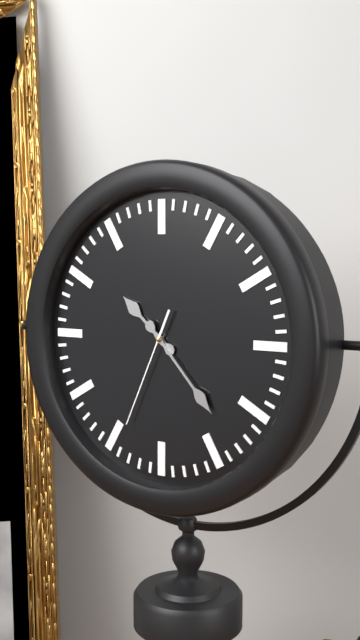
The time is 10h23m34s
